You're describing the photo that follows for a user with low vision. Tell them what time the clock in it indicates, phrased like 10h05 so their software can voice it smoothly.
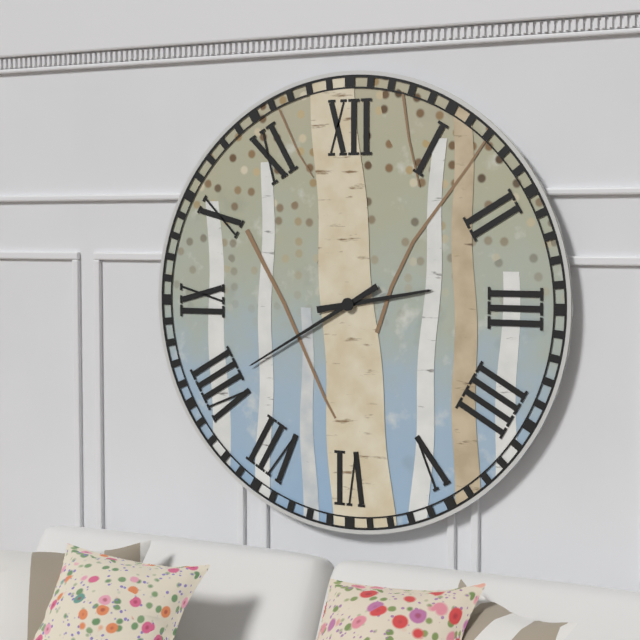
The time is 2h40
